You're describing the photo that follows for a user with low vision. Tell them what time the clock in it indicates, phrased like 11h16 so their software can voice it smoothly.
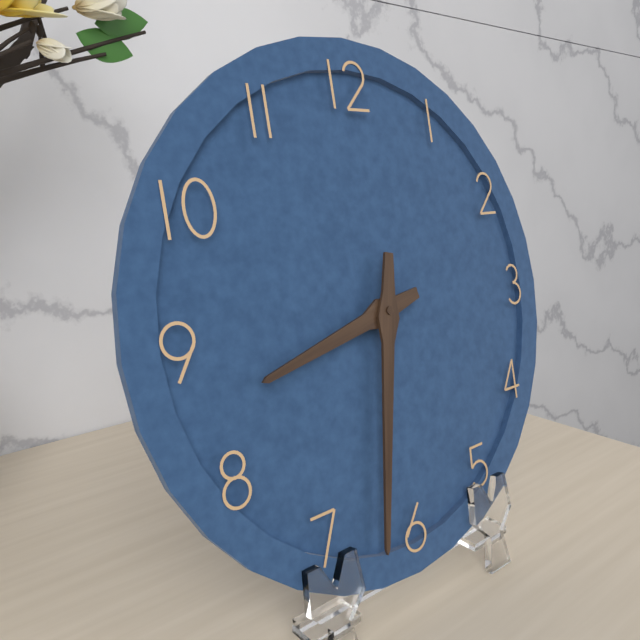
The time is 8h32
